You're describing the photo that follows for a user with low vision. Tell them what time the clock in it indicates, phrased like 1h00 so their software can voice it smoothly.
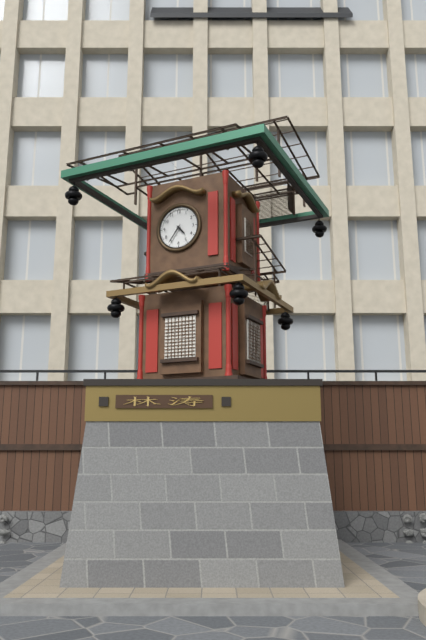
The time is 4h36
